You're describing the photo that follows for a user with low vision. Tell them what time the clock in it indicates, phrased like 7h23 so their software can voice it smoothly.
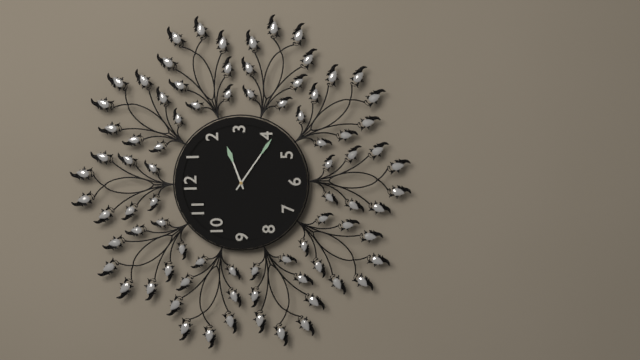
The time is 2h21
